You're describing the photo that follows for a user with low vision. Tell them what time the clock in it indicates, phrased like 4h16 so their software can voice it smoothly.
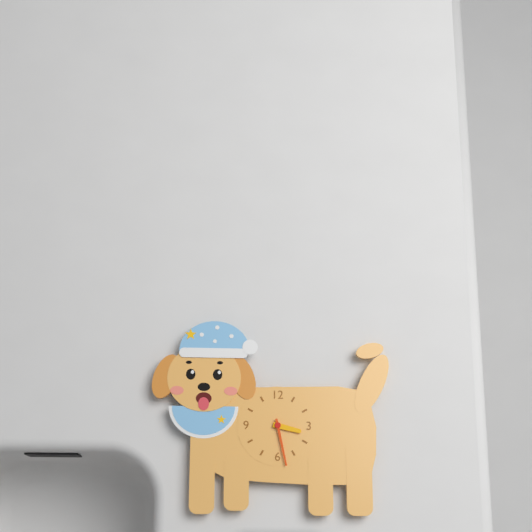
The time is 3h28
